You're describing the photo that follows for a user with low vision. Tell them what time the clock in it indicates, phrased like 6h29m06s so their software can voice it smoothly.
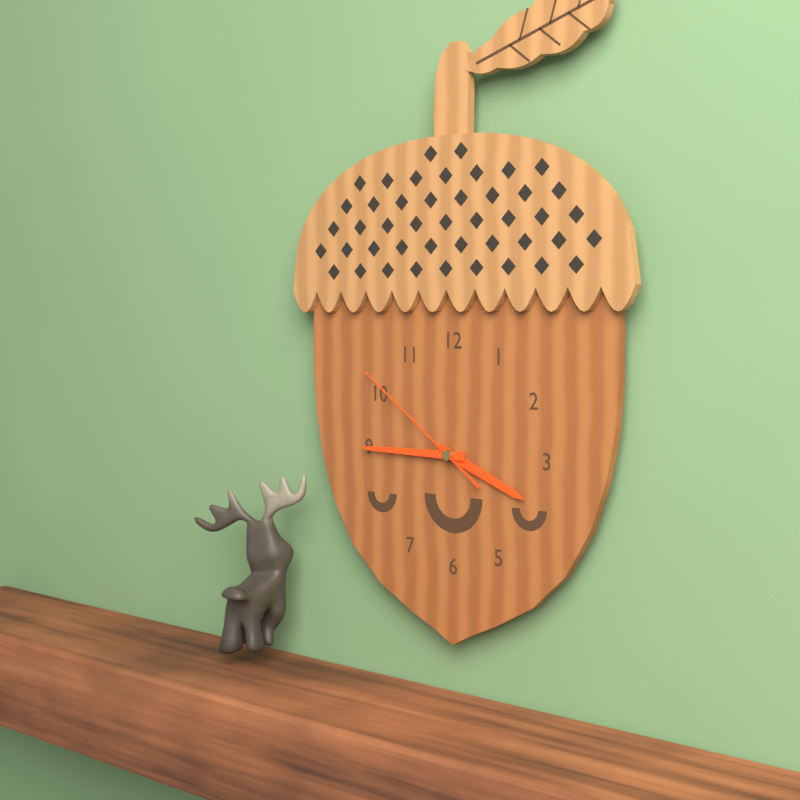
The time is 3h45m51s
